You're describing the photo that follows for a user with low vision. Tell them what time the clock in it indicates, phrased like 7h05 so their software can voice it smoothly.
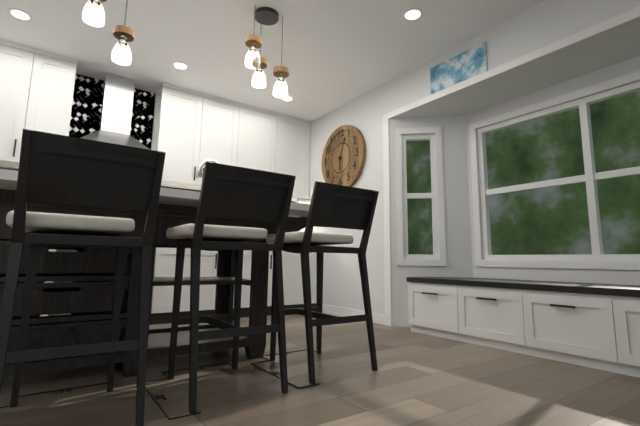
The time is 6h04
